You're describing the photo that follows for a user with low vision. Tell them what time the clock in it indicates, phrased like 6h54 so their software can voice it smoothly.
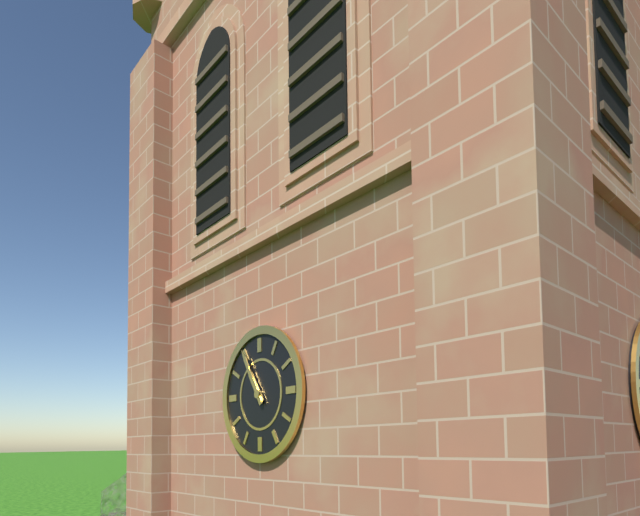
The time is 10h55
